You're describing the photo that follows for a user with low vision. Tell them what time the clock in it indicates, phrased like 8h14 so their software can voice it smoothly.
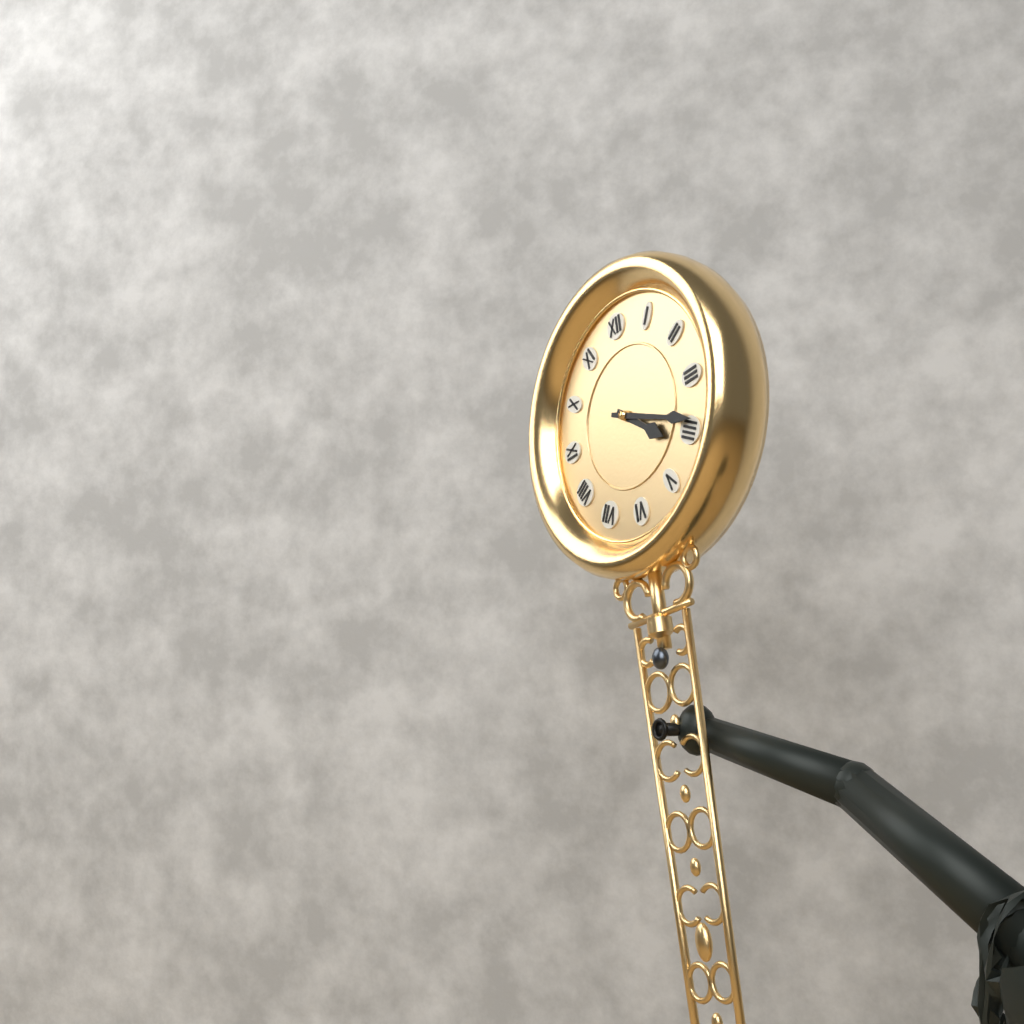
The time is 4h19
